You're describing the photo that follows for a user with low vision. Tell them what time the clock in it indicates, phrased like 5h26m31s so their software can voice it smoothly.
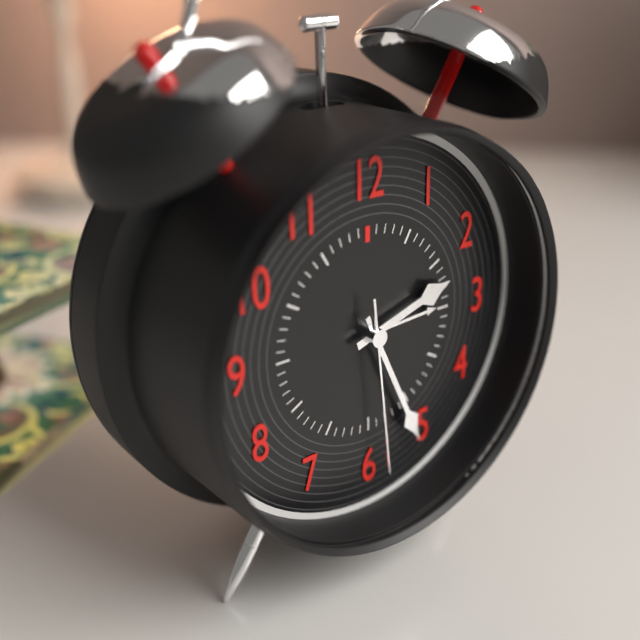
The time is 2h26m29s
